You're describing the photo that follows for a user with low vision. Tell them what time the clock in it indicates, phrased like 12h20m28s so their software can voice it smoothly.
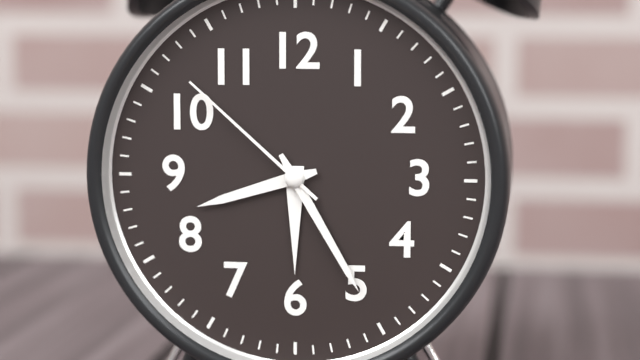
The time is 8h25m52s
